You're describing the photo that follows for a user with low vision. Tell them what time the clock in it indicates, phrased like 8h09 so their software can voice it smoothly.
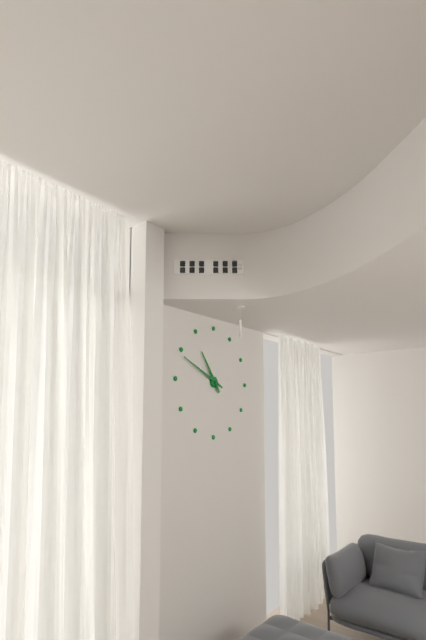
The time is 10h49
